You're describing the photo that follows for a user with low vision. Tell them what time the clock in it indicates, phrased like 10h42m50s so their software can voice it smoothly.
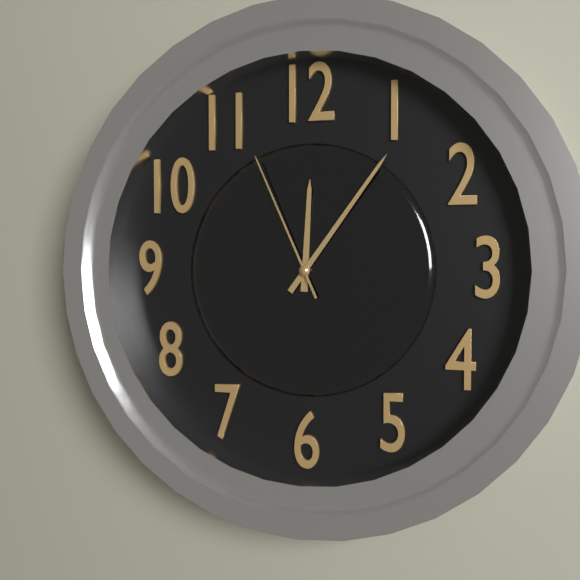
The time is 12h06m56s
